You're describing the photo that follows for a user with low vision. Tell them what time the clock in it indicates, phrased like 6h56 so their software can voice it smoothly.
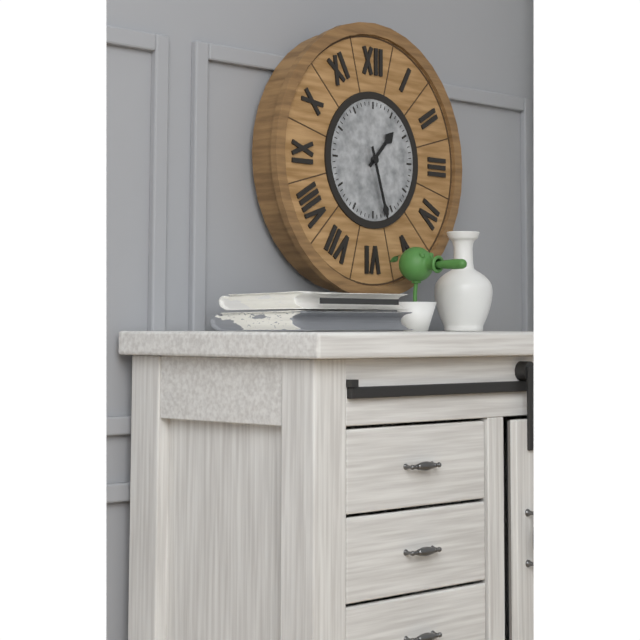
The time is 1h27
